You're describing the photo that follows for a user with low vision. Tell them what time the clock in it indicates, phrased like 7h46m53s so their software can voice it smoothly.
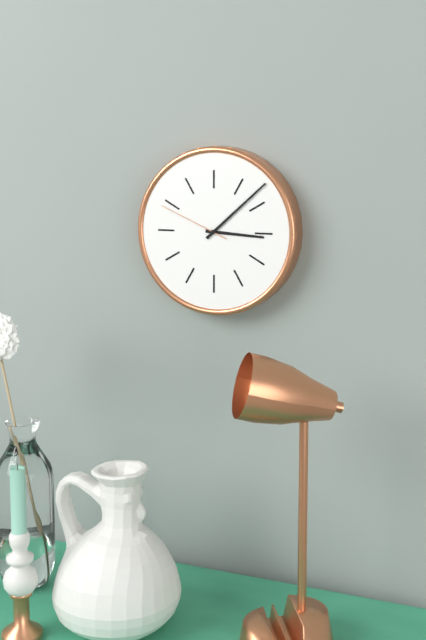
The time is 3h08m49s
